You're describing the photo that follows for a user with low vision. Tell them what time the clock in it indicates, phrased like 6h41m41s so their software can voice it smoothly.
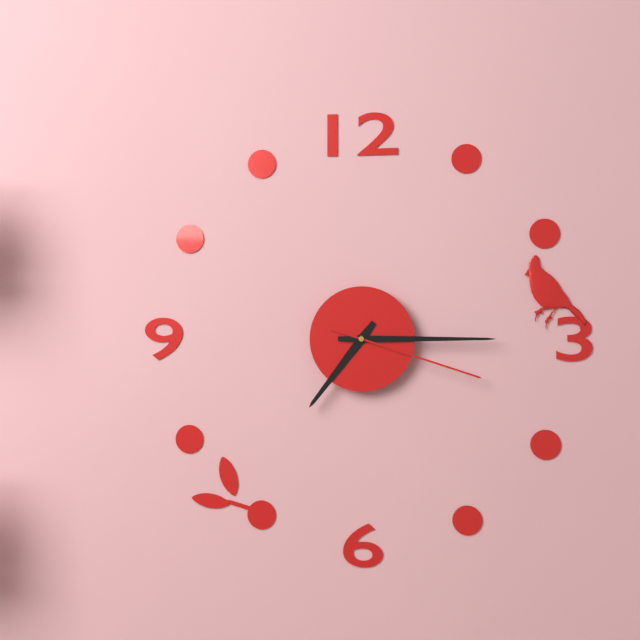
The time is 7h15m18s
